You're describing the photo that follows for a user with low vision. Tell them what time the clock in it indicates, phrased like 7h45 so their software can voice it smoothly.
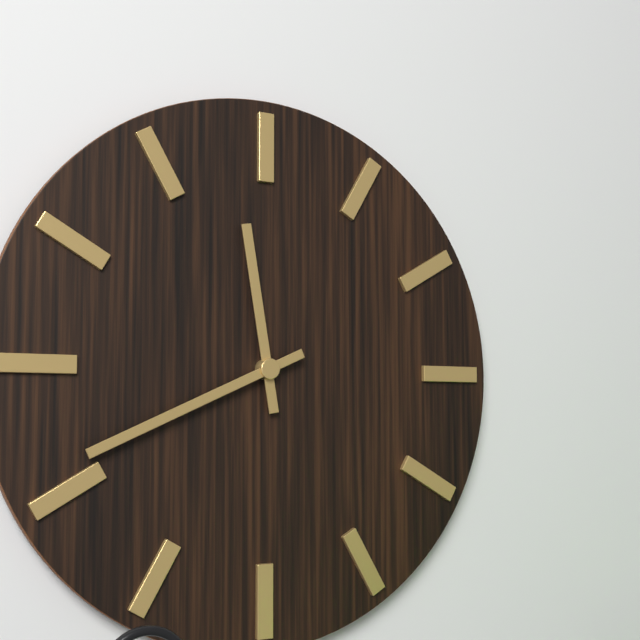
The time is 11h41
